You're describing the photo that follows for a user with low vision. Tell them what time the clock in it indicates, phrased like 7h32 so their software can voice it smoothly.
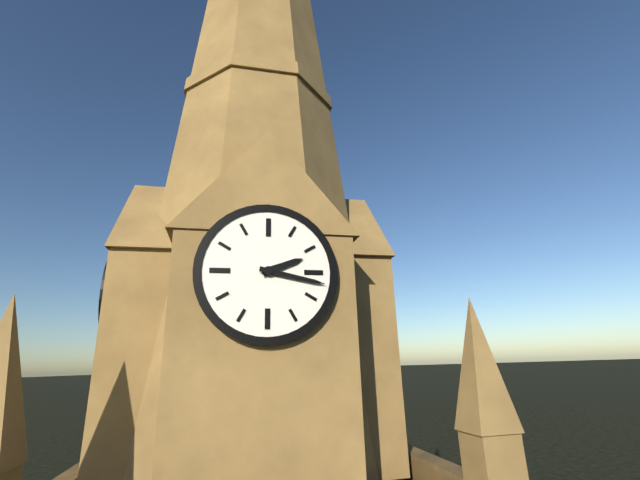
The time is 2h17
